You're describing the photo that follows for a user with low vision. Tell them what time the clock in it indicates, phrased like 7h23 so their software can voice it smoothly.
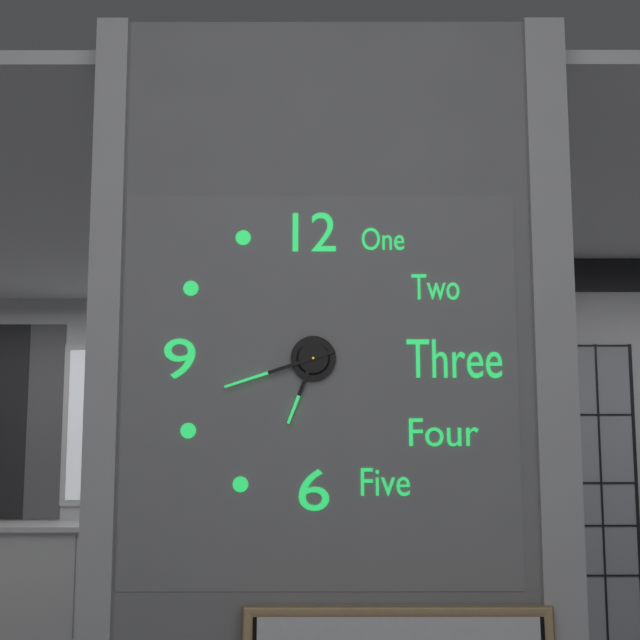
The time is 6h42
